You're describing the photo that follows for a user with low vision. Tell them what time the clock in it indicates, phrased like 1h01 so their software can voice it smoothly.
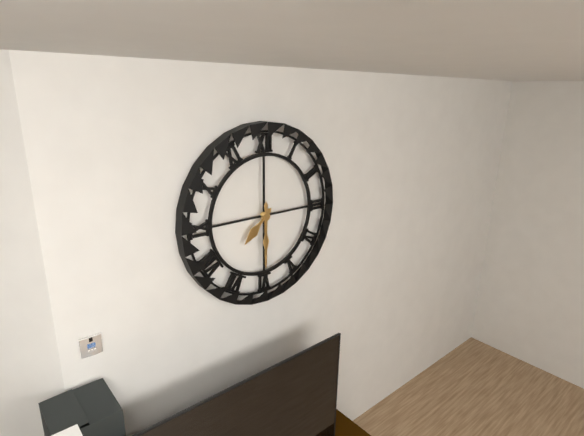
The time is 7h30
